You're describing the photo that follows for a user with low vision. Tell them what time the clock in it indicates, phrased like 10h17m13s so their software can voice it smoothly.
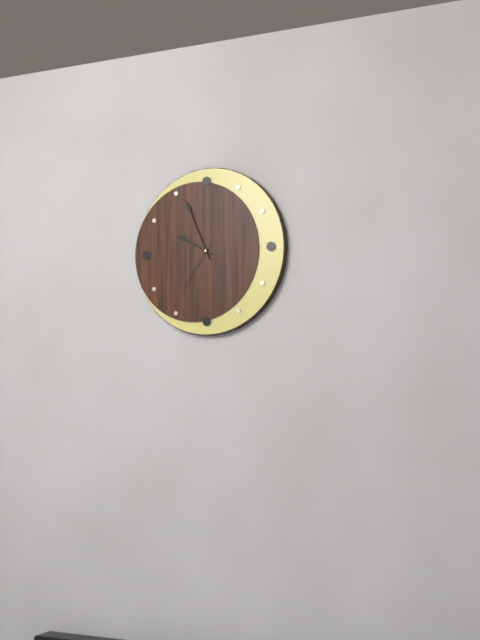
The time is 9h56m36s
